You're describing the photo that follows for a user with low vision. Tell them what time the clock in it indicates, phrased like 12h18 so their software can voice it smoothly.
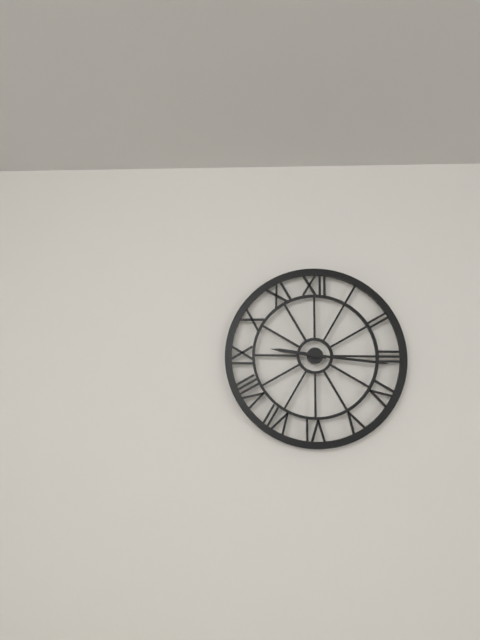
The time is 9h16
